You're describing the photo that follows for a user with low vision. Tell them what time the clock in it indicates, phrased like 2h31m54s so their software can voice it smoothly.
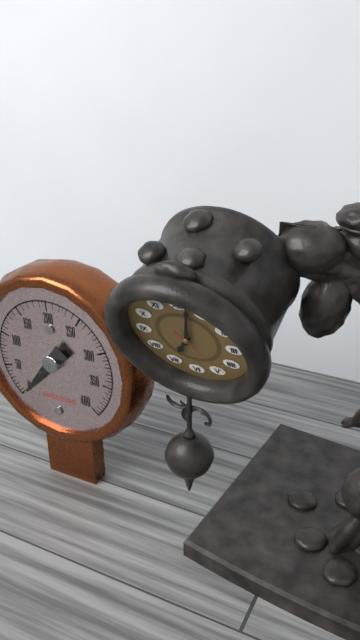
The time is 7h02m23s
